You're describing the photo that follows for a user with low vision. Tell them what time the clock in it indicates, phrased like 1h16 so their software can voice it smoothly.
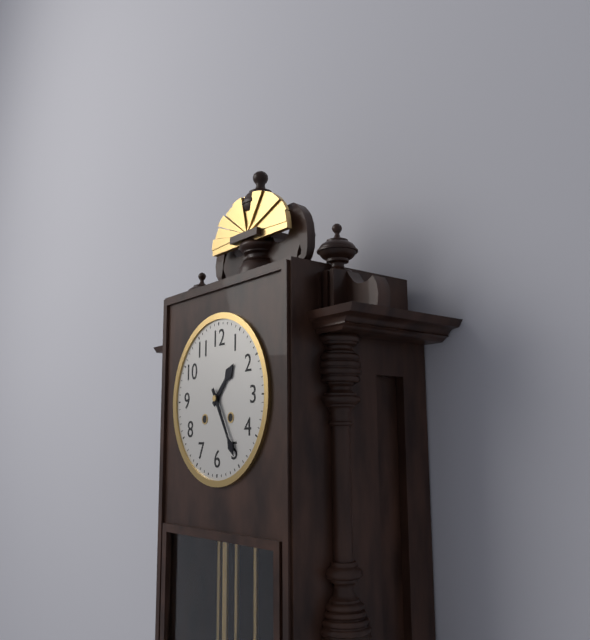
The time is 1h25
